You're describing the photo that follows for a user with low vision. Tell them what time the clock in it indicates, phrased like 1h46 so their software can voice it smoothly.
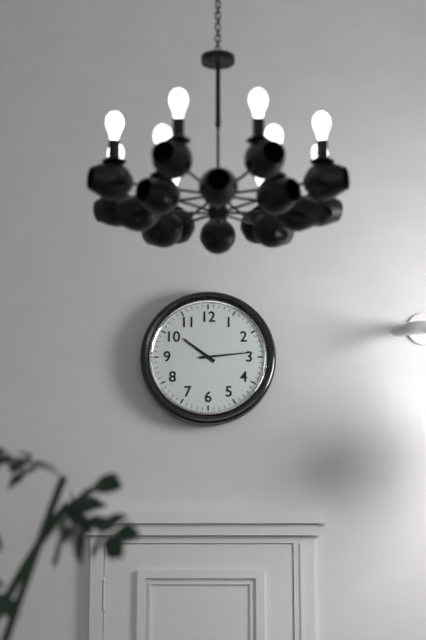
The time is 10h14
